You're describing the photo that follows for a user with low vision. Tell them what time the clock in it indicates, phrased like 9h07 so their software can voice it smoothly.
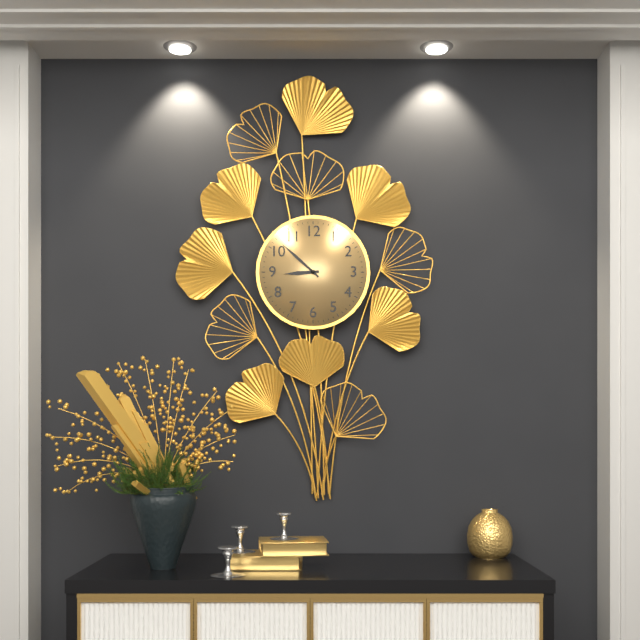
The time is 8h52
